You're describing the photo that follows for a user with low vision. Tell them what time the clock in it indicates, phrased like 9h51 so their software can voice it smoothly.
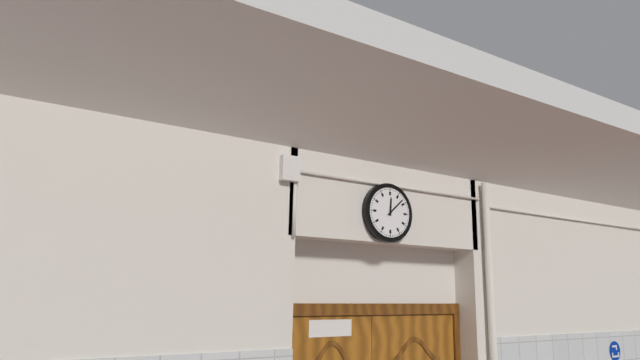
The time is 12h08
